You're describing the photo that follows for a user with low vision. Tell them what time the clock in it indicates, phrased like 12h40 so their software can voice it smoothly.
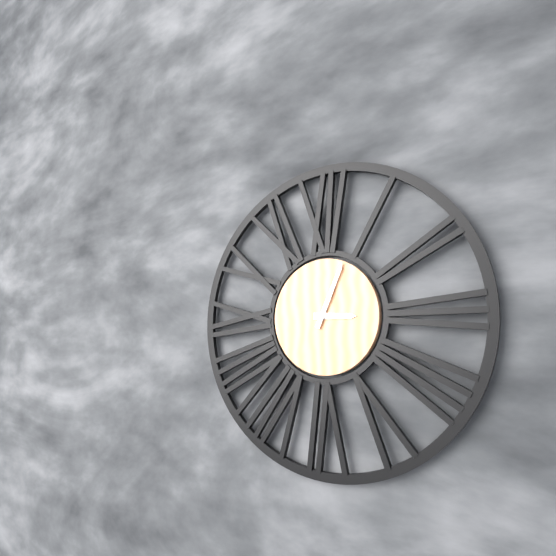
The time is 3h04
